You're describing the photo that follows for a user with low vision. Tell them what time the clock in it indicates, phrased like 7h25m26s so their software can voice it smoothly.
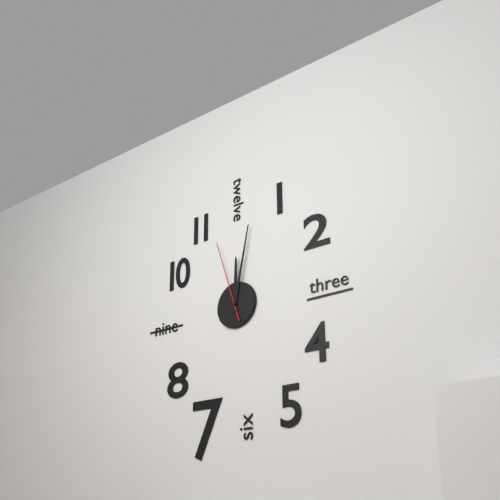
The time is 12h02m57s
